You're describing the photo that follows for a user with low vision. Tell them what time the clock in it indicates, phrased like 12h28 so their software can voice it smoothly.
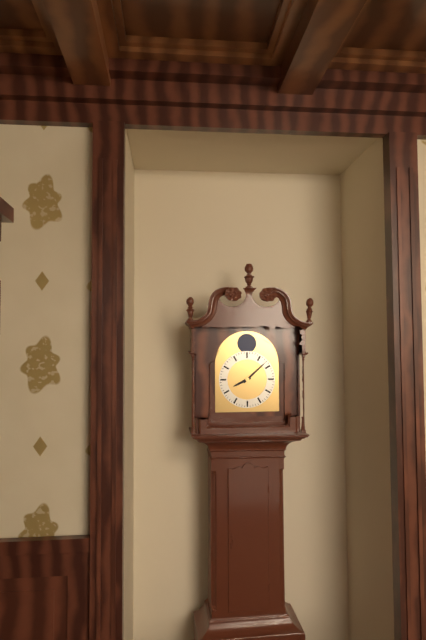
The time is 8h08
